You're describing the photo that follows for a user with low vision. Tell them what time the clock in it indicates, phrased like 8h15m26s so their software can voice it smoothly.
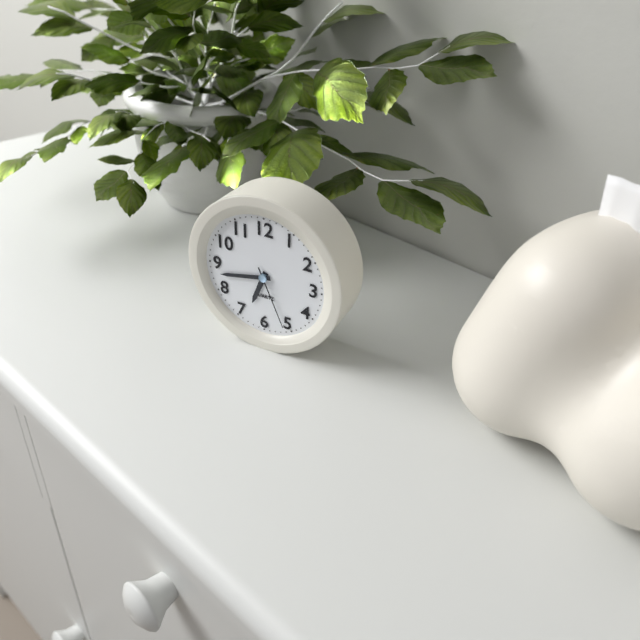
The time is 6h43m26s
